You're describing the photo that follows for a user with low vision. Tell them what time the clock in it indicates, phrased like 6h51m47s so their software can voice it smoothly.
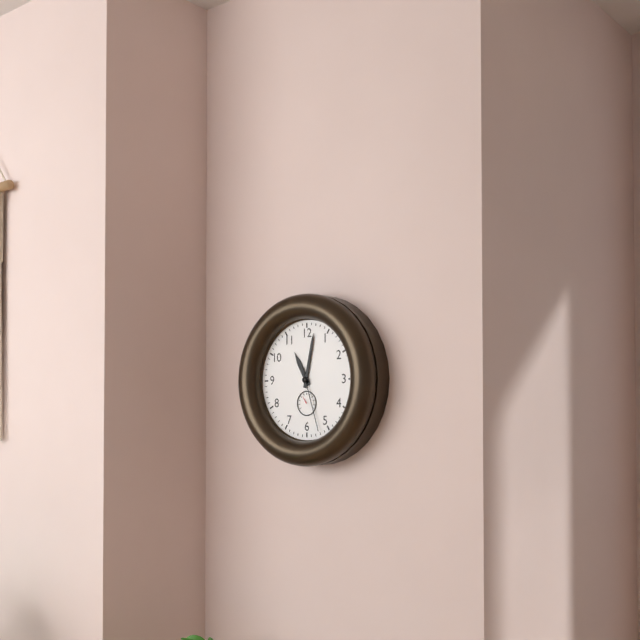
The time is 11h02m27s
